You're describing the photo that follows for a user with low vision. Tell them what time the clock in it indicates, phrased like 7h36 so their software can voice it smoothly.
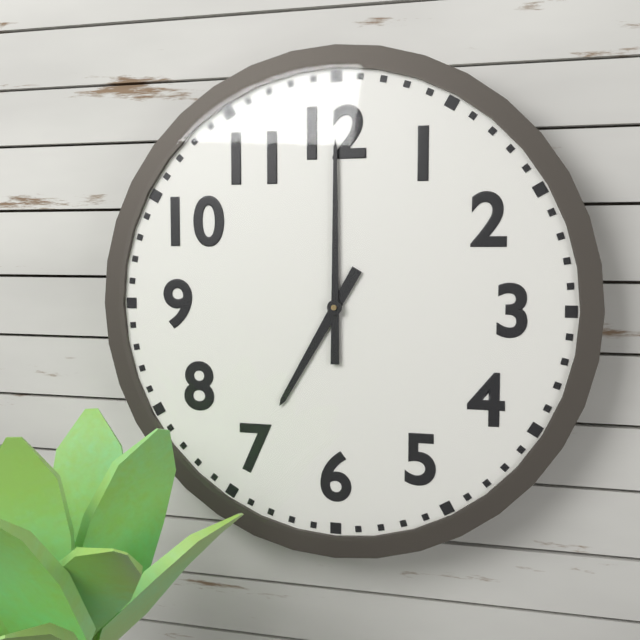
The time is 7h00
